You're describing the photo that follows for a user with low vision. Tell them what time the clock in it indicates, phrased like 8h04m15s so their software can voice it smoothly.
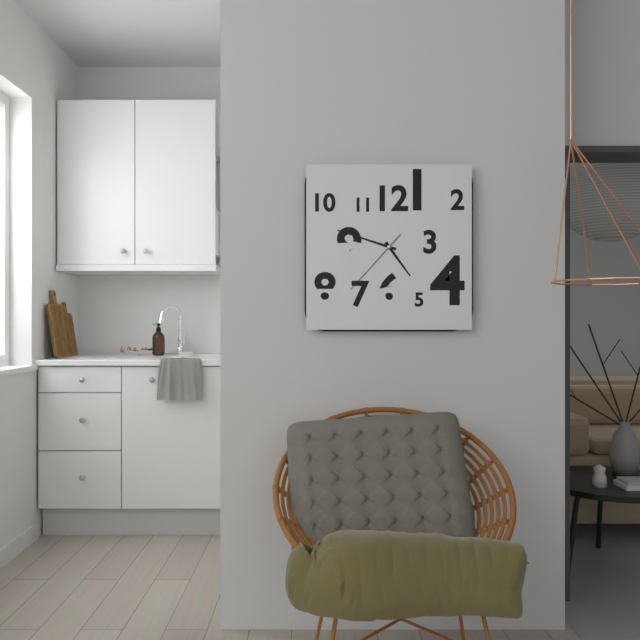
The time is 4h48m37s
